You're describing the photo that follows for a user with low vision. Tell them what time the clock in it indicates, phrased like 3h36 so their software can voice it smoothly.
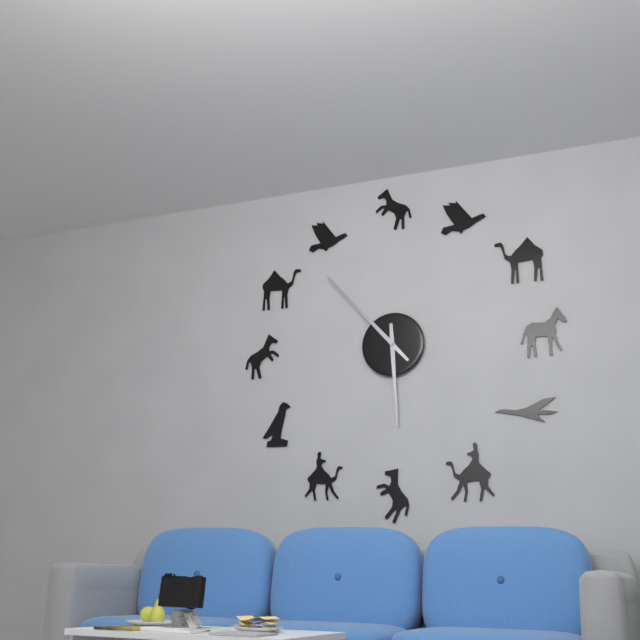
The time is 5h53
